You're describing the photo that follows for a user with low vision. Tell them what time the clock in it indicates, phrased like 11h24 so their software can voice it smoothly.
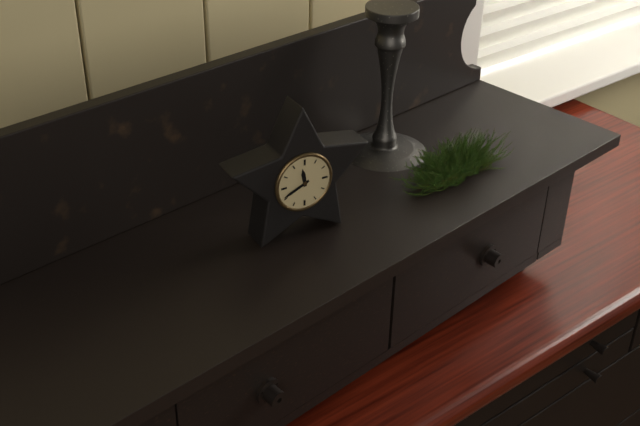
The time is 11h41
